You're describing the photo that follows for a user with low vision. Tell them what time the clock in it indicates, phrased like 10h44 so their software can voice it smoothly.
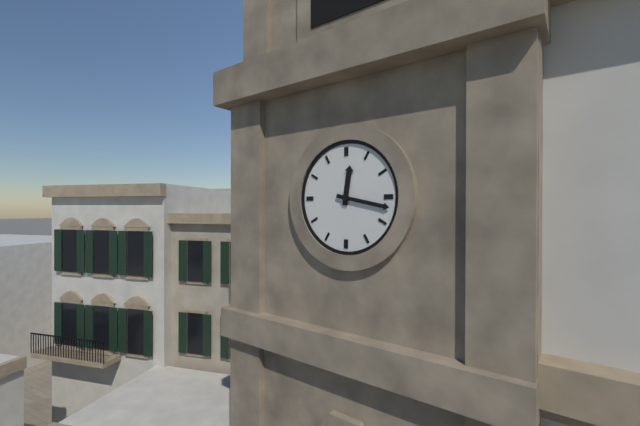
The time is 12h17
